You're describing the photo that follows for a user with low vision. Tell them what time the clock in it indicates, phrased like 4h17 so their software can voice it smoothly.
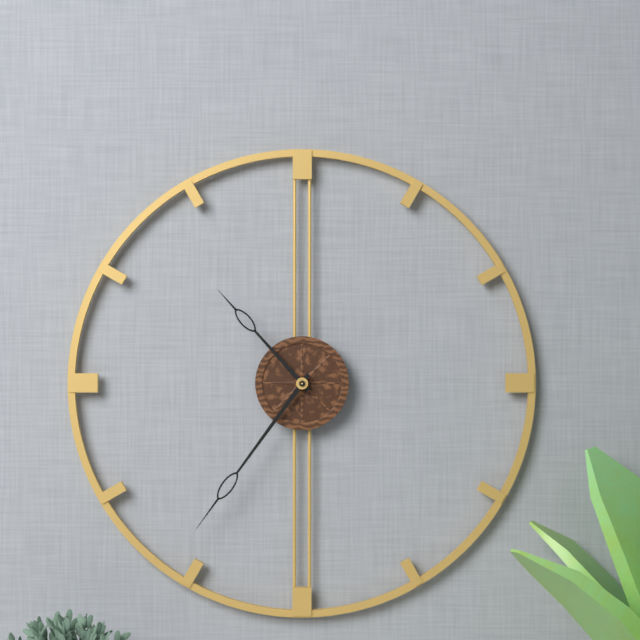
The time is 10h36
